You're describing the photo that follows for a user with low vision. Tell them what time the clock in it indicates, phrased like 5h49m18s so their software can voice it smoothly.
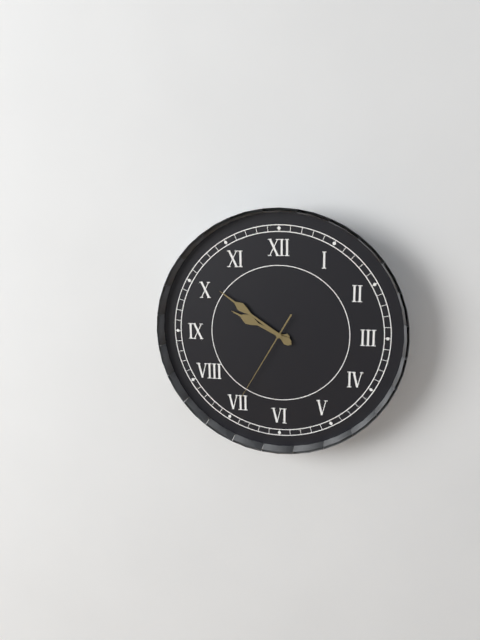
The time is 9h51m35s
